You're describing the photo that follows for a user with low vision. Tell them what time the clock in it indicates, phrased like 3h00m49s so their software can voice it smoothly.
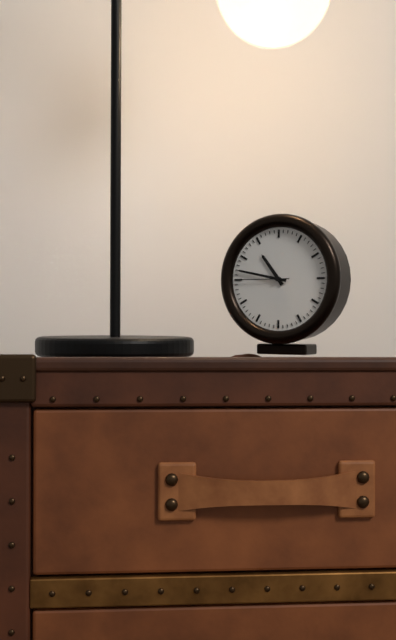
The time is 10h47m45s
